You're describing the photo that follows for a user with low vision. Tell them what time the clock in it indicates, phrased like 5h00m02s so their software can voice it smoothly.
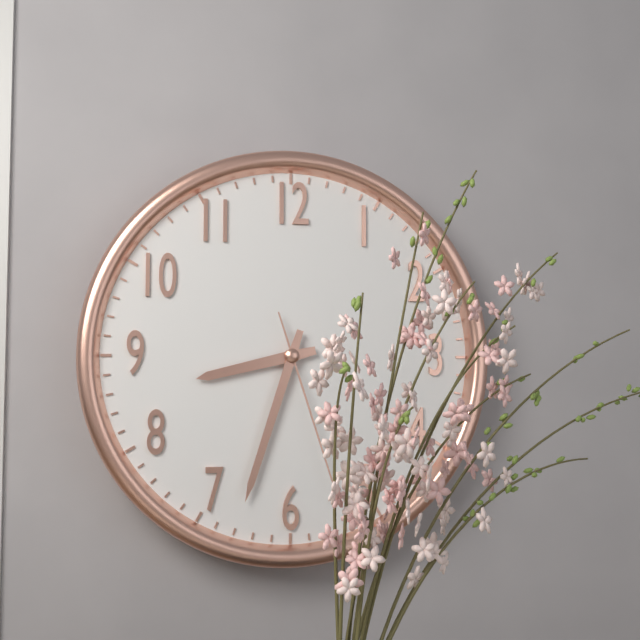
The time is 8h33m27s
